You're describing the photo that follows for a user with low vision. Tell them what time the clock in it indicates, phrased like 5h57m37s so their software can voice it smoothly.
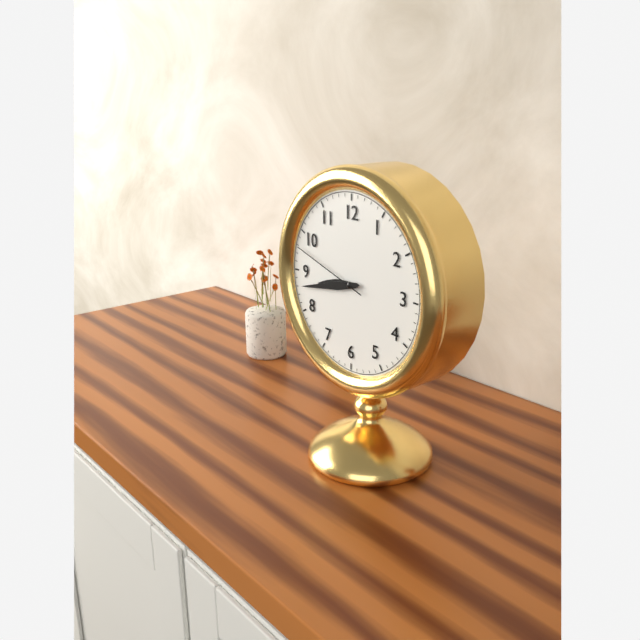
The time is 8h43m48s
